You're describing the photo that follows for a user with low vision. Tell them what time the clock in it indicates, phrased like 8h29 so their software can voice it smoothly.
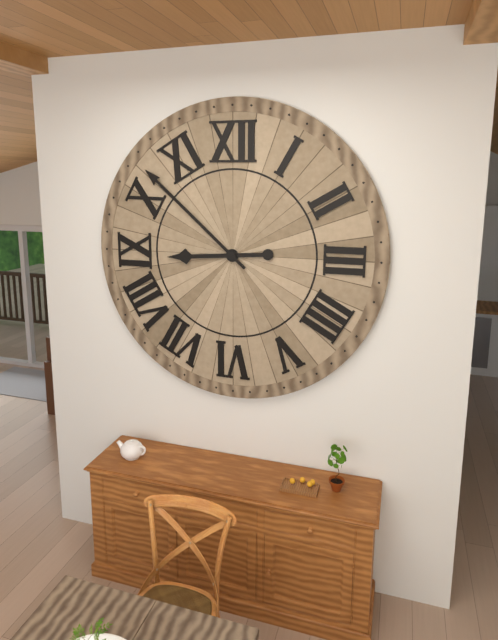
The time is 8h52
